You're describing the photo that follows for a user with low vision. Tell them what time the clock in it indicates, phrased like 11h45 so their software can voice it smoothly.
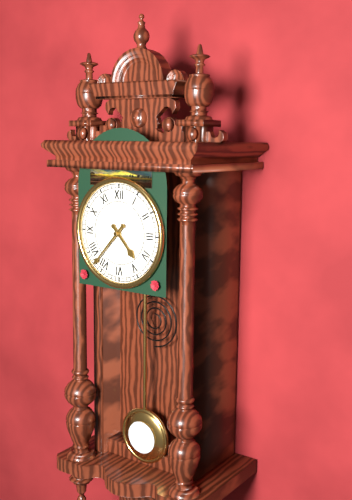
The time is 4h37
